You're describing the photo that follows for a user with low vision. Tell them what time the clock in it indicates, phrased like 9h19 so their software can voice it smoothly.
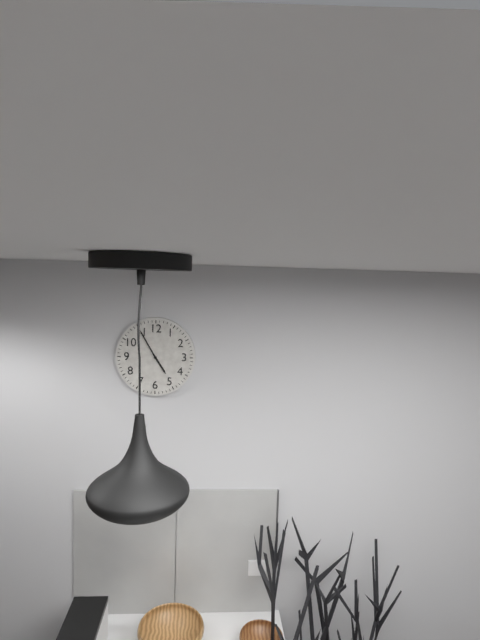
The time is 4h55
